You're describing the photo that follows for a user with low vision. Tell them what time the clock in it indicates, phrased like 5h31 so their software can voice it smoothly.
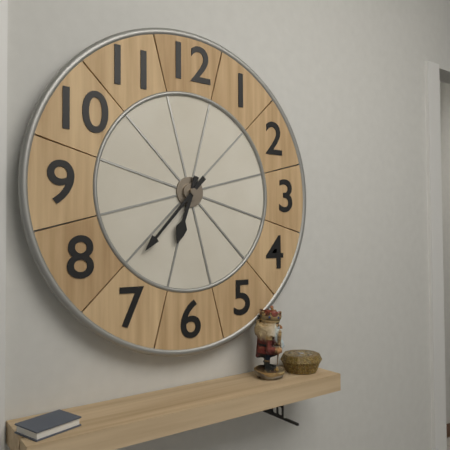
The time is 6h37
